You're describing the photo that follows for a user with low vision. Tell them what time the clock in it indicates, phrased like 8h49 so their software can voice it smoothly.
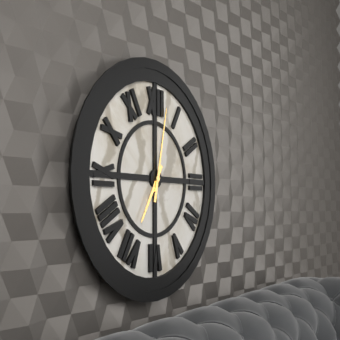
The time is 7h02
